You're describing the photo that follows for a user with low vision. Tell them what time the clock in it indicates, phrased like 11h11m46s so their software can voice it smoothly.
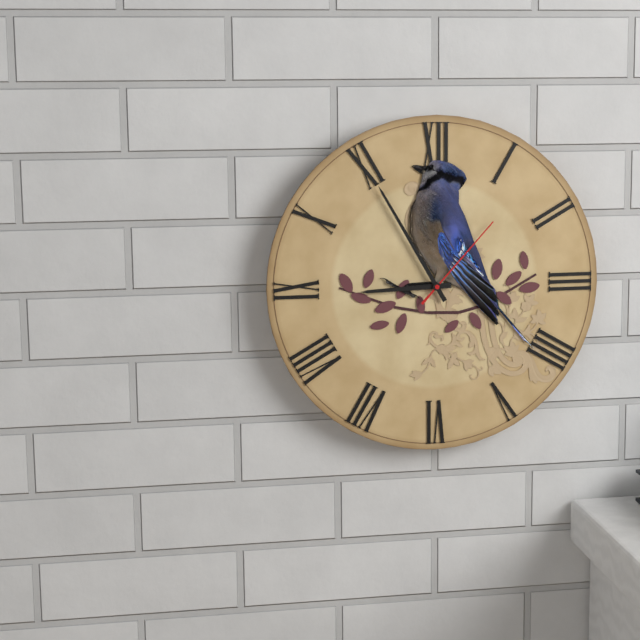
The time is 8h55m07s
